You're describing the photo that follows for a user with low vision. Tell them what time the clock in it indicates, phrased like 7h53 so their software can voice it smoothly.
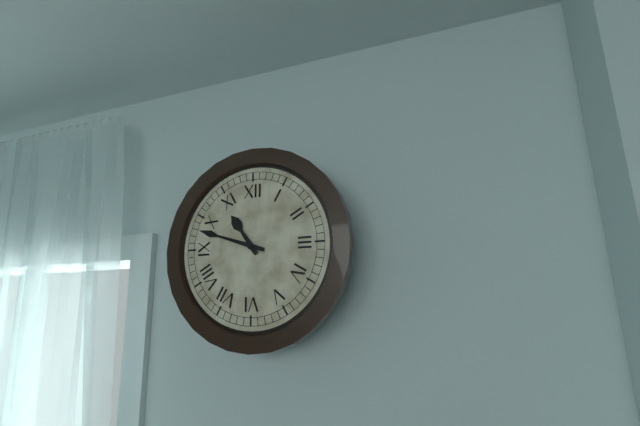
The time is 10h48
